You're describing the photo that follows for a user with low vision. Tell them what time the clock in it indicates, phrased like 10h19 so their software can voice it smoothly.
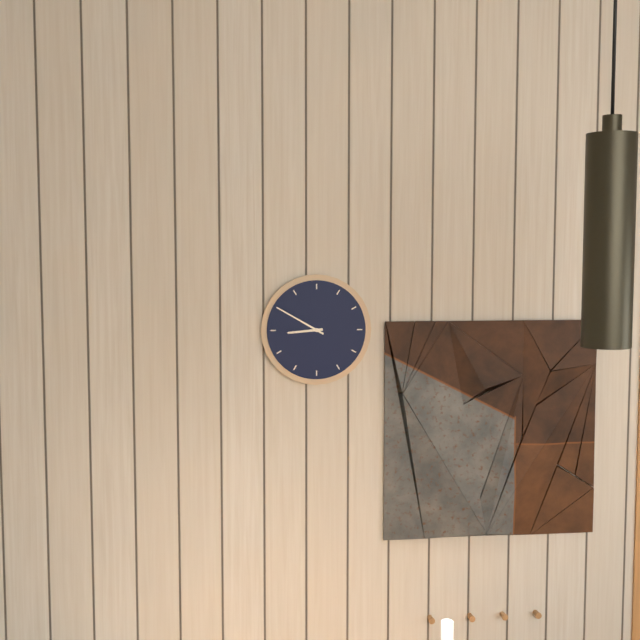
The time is 8h50
